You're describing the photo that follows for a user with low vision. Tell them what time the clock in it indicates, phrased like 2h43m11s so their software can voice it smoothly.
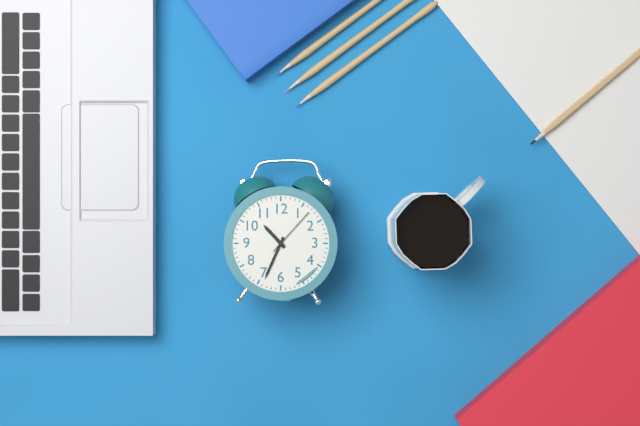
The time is 10h34m07s
